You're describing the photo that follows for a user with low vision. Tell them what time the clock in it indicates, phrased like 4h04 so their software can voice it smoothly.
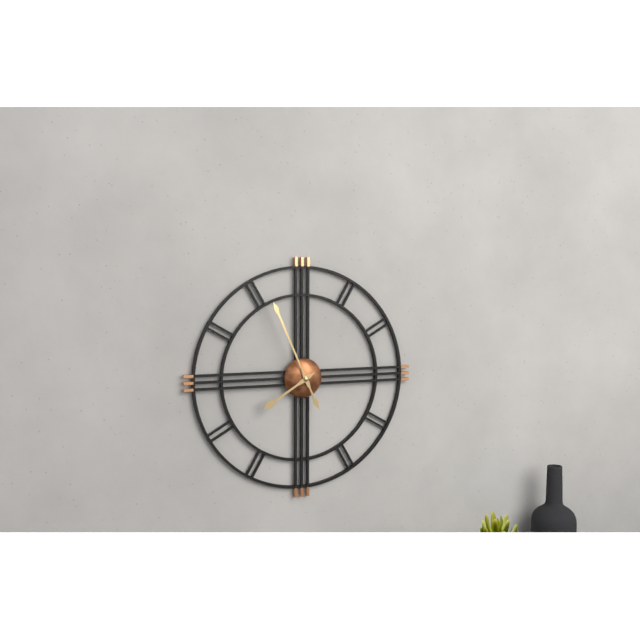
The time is 7h56
